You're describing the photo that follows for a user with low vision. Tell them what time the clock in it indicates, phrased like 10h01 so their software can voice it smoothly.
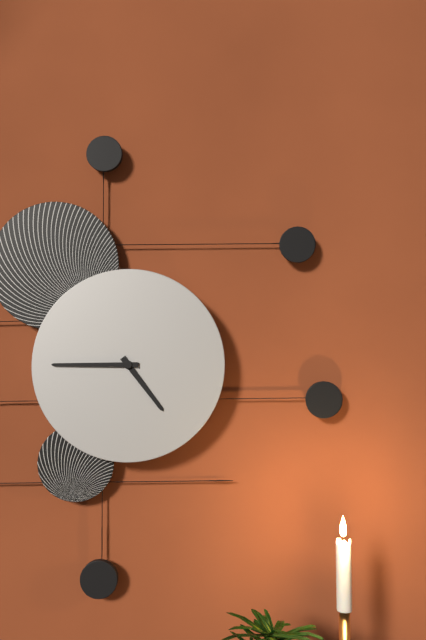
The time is 4h45
